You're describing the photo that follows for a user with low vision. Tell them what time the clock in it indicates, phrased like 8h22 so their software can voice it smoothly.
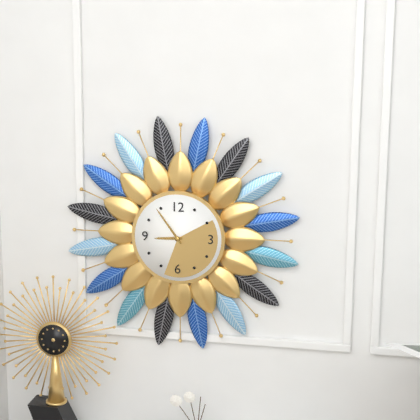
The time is 8h54
